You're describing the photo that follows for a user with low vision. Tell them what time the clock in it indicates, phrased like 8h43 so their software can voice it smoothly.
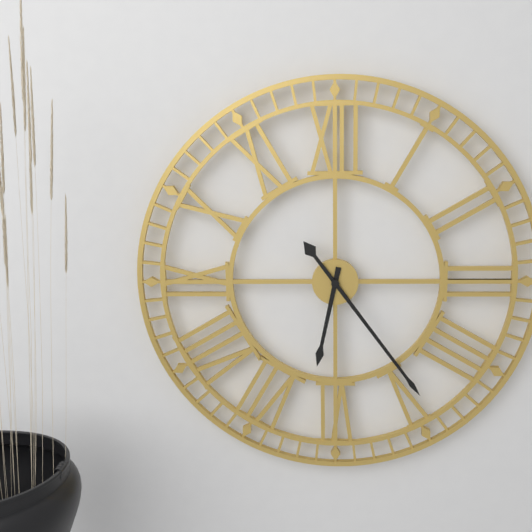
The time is 6h24
